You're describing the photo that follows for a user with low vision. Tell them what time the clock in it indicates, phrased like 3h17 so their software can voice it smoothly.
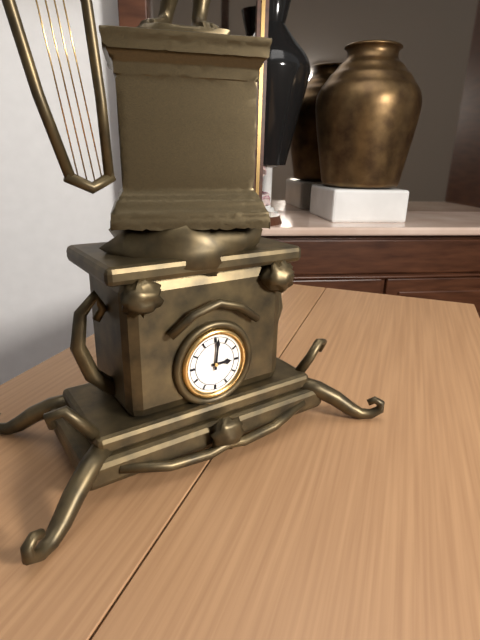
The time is 3h01
